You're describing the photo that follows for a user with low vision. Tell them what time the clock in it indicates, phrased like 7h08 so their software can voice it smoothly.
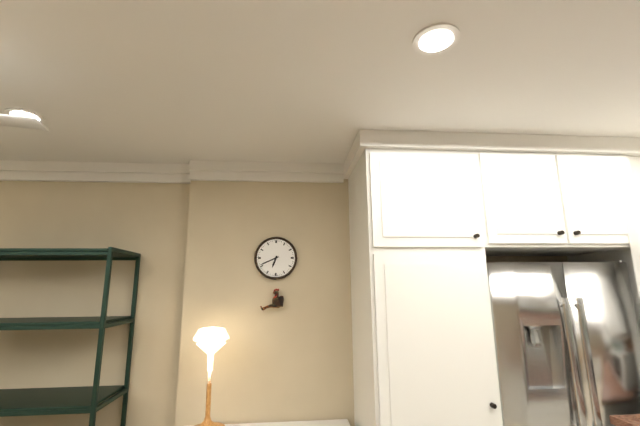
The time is 6h41
